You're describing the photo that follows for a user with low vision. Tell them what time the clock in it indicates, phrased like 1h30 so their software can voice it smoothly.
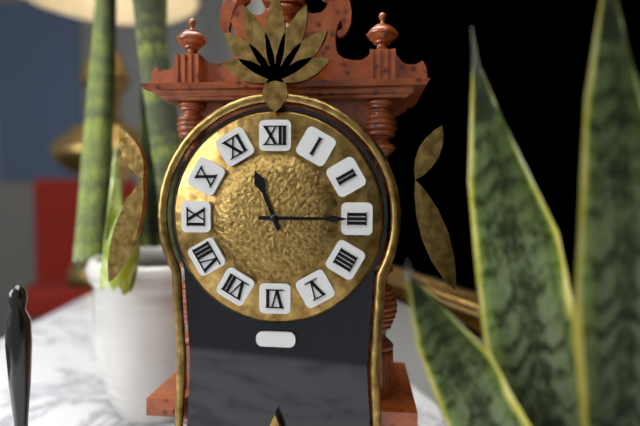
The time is 11h15
